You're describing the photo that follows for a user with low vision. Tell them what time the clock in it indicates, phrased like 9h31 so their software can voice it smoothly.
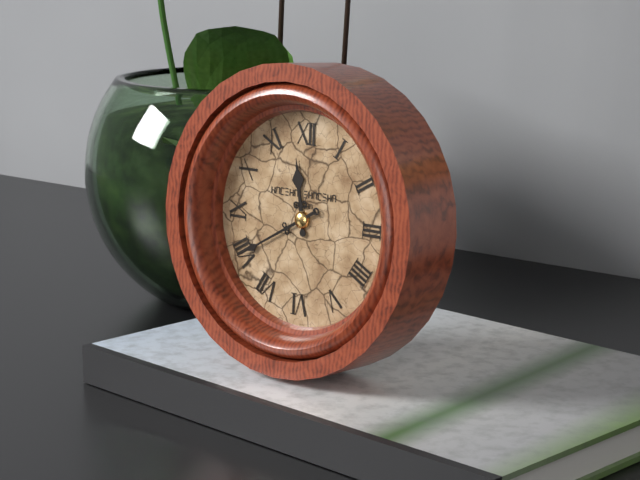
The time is 11h40
